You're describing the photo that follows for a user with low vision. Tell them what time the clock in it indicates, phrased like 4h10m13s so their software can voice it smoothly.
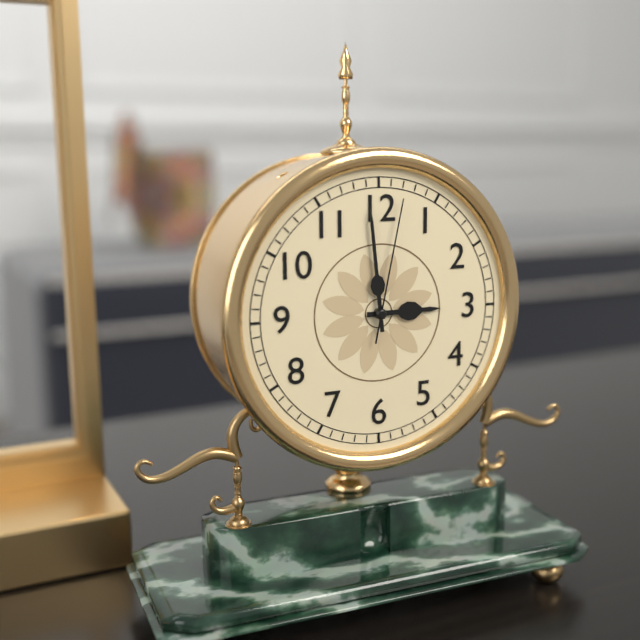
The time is 2h59m02s
